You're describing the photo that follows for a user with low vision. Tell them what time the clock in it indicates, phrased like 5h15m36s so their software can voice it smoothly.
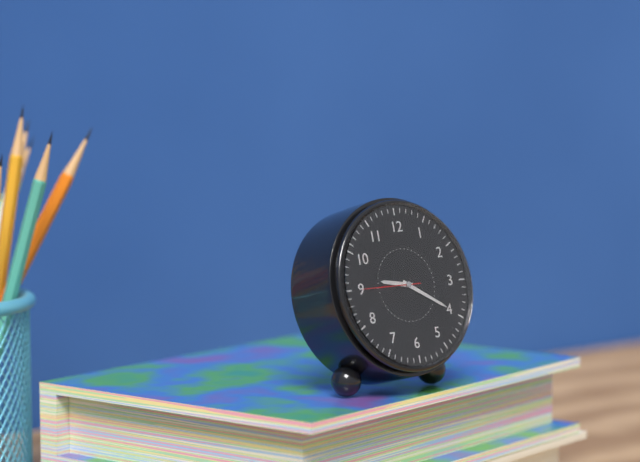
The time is 9h20m45s
